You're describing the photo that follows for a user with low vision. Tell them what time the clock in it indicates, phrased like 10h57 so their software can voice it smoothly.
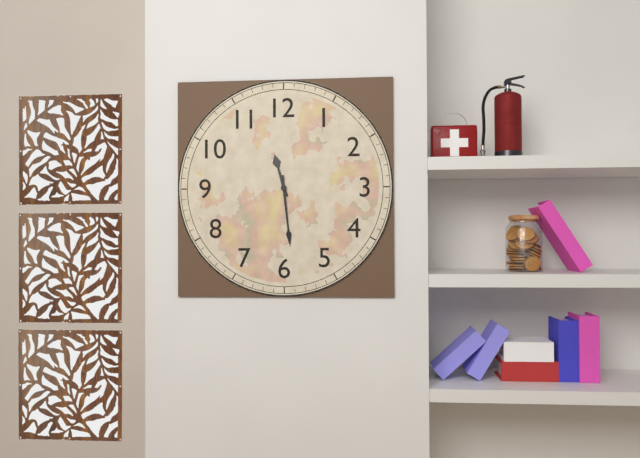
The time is 11h29
